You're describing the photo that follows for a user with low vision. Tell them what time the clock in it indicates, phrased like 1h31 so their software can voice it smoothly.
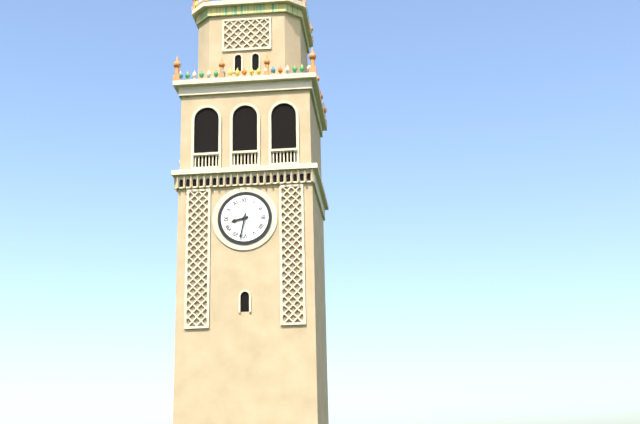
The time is 8h32
